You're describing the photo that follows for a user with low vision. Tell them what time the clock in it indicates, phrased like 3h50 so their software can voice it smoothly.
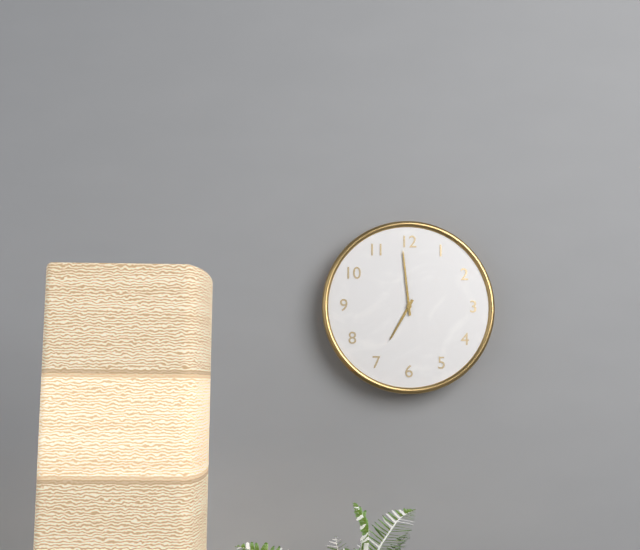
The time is 6h59
